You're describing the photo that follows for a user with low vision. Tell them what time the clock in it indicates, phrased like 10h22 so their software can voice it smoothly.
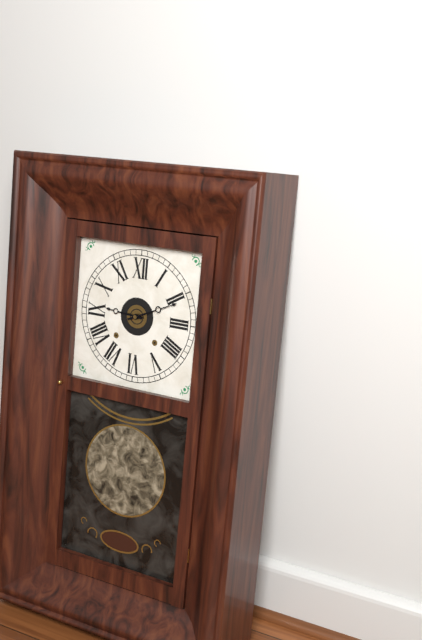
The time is 9h11
